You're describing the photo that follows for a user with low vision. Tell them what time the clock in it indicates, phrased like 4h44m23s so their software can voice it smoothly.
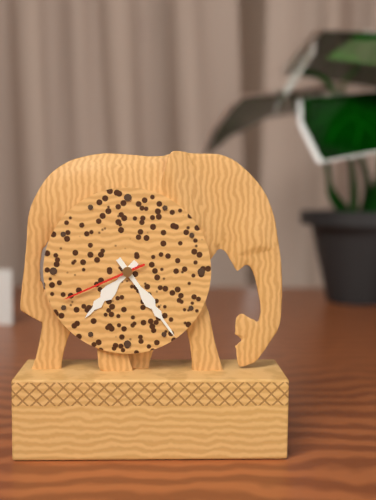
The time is 7h24m41s
